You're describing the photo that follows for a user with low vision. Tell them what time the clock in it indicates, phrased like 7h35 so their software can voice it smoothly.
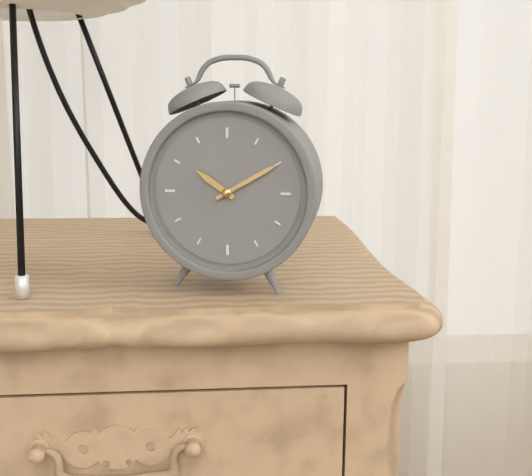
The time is 10h10
